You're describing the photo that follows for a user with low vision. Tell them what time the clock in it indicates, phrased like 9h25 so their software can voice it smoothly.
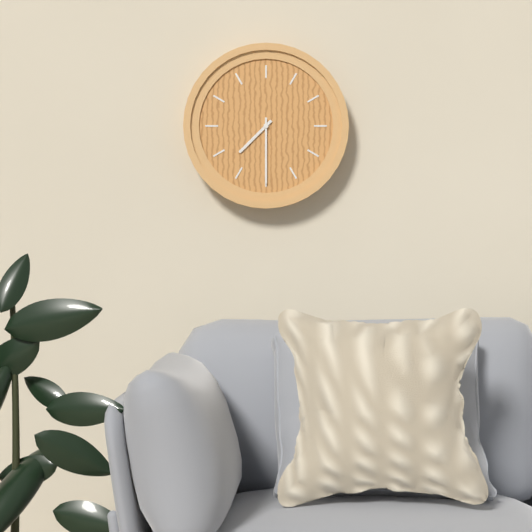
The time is 7h30
